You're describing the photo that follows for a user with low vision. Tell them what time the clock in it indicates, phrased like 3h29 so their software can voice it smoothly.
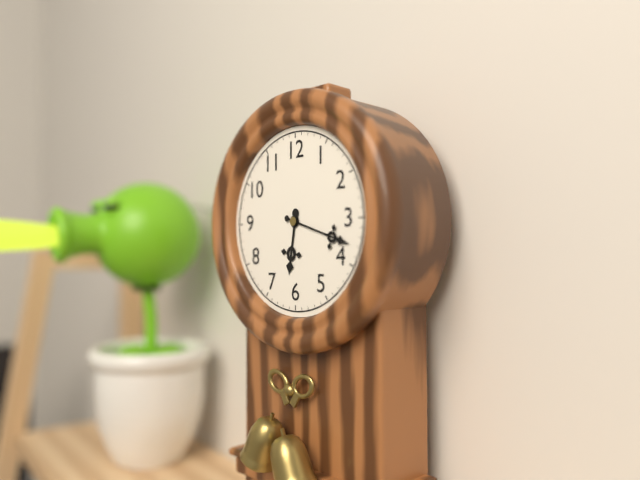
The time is 6h18
